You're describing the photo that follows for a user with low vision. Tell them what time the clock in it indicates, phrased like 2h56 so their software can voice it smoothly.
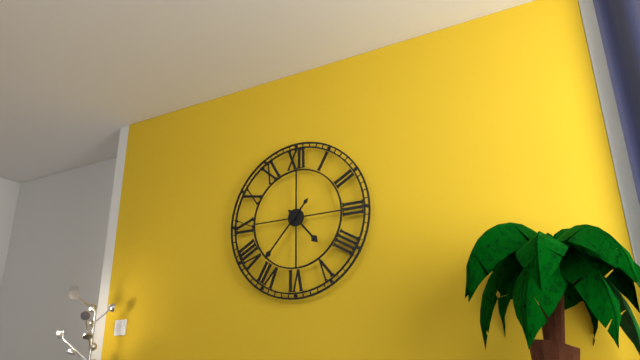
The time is 4h37
